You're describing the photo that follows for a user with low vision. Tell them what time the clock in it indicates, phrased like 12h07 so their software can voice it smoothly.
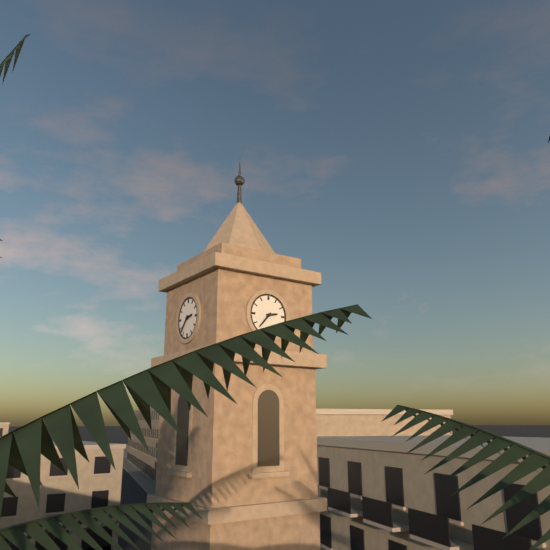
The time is 2h37
